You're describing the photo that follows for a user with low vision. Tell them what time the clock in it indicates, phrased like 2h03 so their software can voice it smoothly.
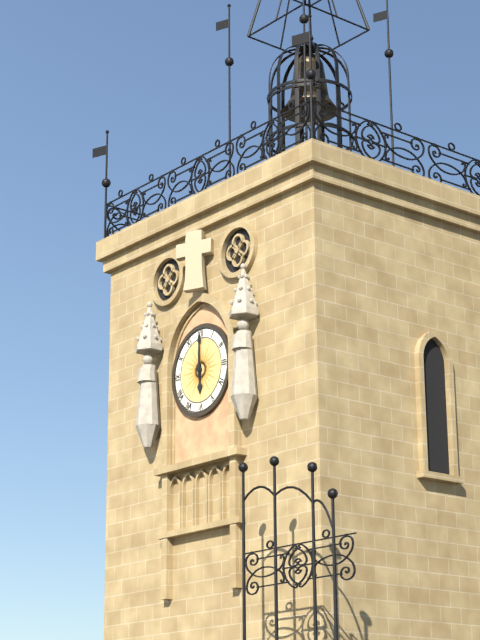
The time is 6h00
